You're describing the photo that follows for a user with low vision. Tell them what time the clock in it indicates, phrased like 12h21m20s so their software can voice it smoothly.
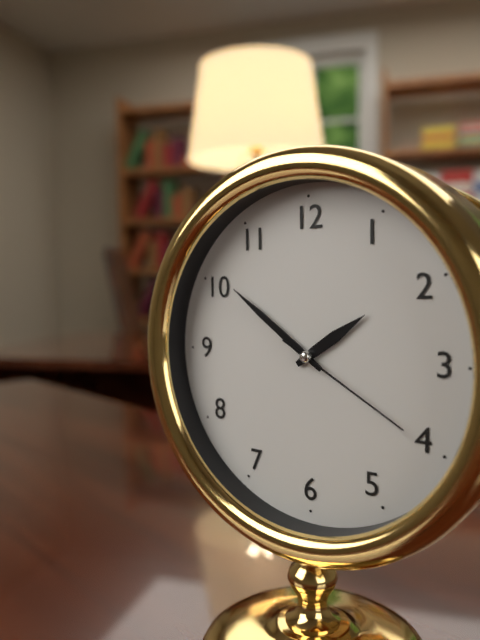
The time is 1h51m20s
